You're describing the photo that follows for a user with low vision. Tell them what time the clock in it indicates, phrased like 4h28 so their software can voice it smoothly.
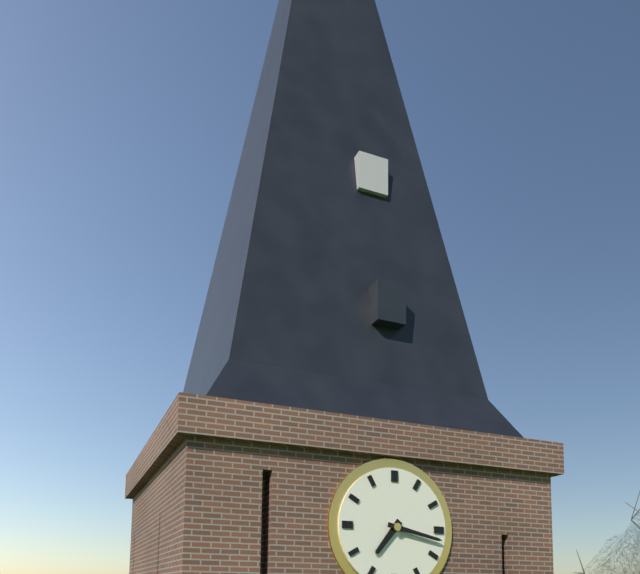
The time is 7h17
